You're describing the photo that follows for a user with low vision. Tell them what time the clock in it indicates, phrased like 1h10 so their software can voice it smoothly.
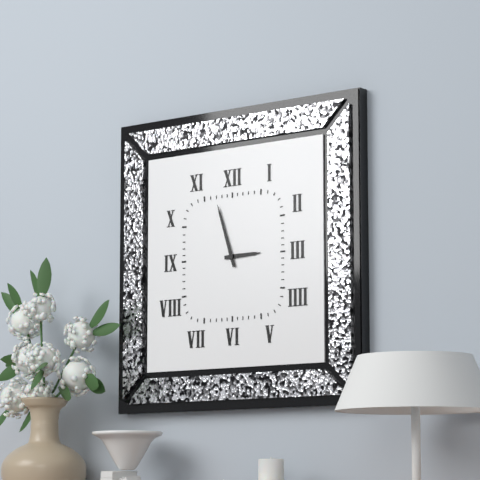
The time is 2h57
